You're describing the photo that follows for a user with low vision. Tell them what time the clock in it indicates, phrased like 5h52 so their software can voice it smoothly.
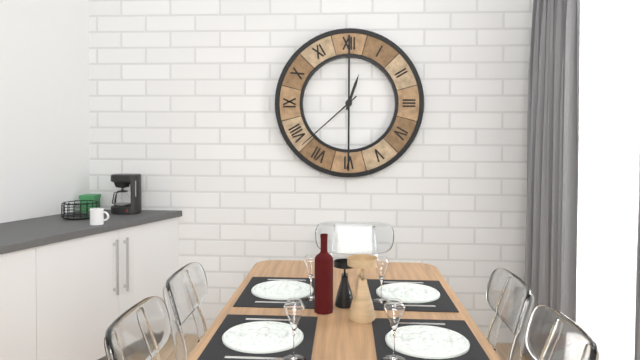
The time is 12h38
